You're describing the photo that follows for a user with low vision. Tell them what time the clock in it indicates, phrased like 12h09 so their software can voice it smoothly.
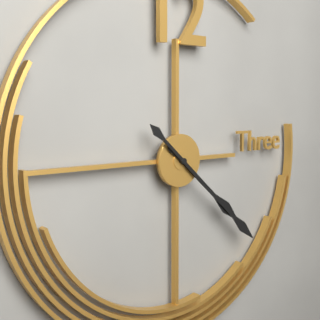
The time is 4h22
